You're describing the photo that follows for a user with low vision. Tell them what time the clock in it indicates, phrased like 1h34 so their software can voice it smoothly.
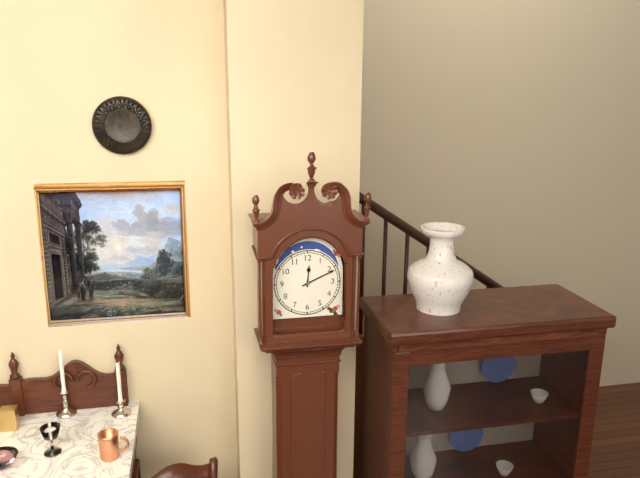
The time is 12h11
